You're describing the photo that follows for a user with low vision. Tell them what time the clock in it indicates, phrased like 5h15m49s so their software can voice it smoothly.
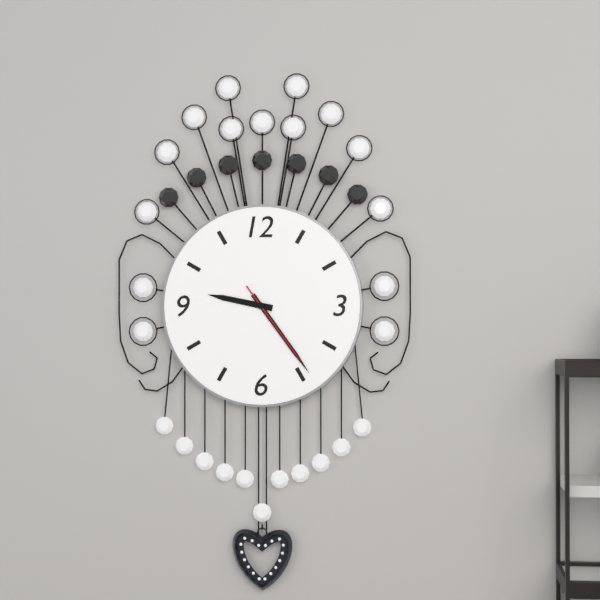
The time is 9h24m24s
